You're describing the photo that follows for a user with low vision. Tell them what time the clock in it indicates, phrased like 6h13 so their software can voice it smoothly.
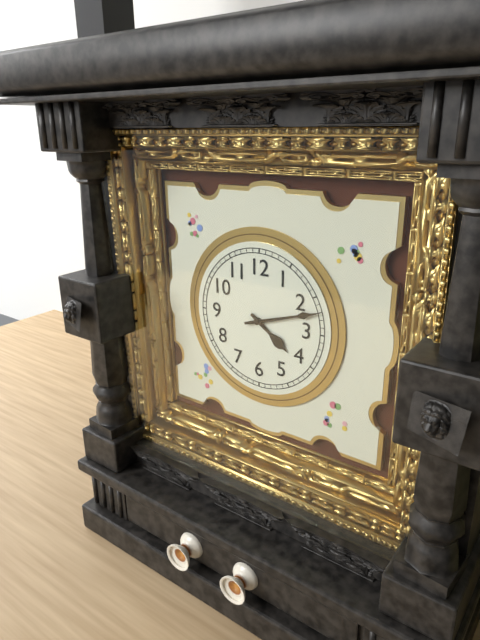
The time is 4h12
